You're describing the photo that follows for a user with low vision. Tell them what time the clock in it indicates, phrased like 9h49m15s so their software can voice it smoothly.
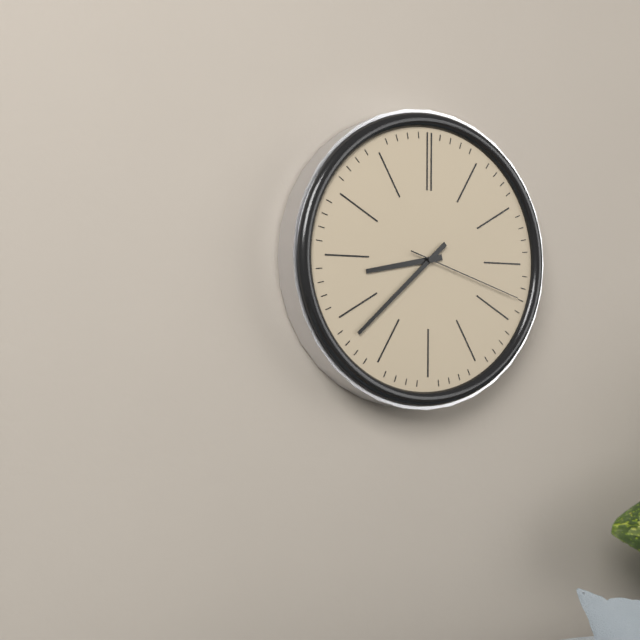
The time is 8h38m18s
